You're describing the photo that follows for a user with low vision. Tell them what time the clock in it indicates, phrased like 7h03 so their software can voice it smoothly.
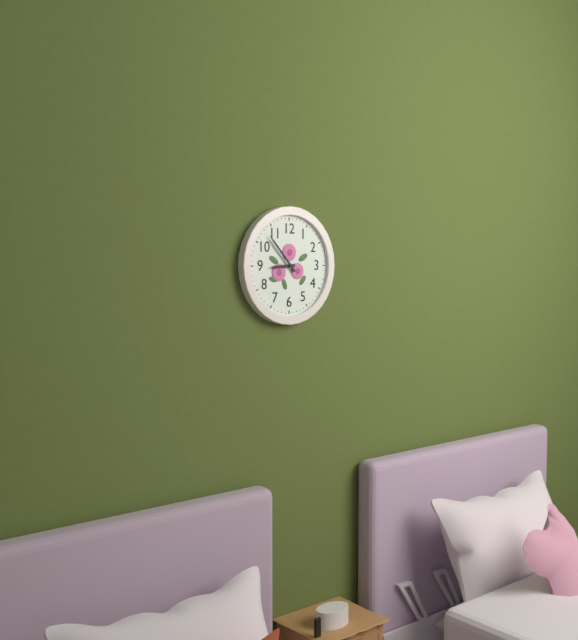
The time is 8h53
